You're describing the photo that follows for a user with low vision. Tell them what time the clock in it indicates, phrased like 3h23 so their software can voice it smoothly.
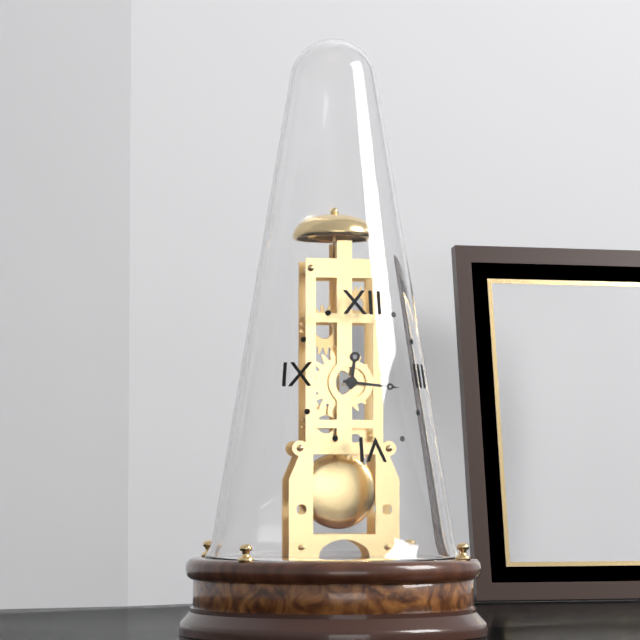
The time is 12h16
